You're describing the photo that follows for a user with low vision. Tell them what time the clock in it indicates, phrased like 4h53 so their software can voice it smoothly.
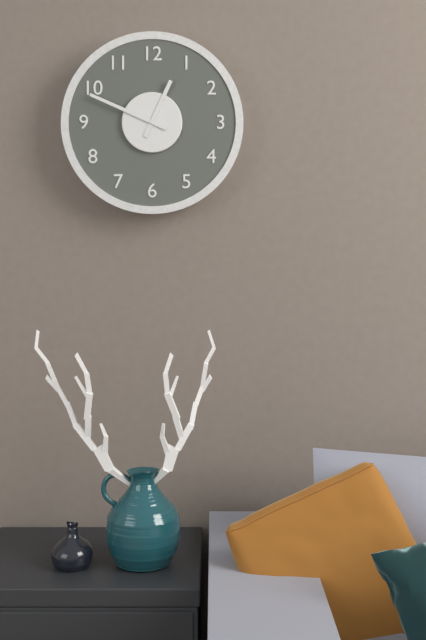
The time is 12h49
